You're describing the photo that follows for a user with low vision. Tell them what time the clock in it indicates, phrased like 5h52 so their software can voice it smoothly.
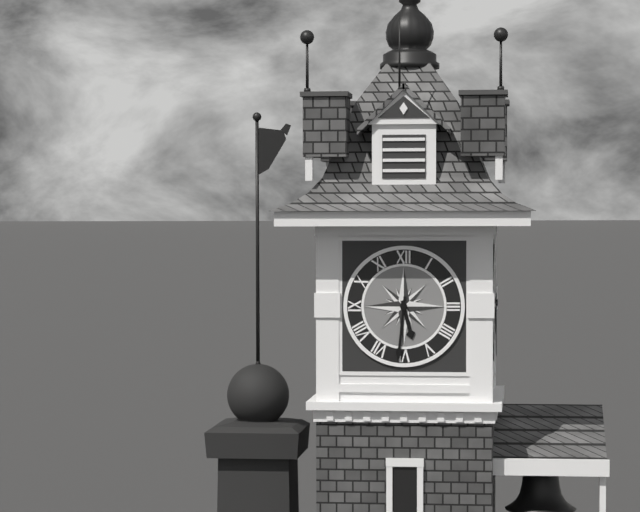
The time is 5h31
